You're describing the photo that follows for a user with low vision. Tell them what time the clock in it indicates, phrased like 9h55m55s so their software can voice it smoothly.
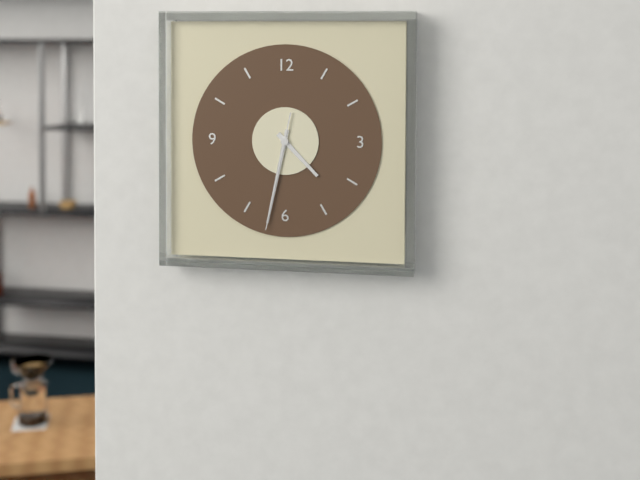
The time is 4h32m32s
